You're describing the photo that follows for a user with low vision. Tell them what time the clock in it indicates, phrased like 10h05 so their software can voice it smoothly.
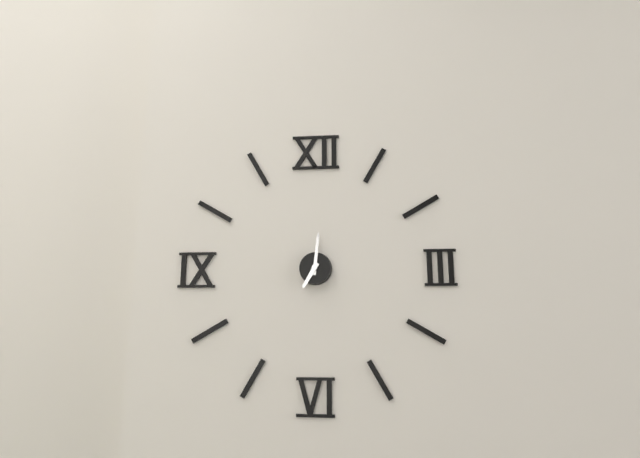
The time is 7h01
